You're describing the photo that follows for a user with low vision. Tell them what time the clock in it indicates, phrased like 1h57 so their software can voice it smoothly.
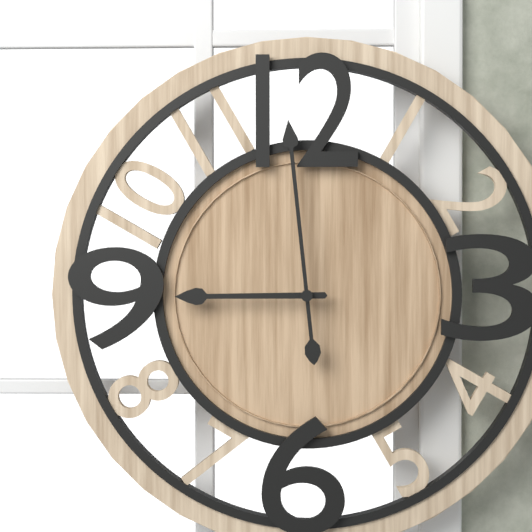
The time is 8h59
